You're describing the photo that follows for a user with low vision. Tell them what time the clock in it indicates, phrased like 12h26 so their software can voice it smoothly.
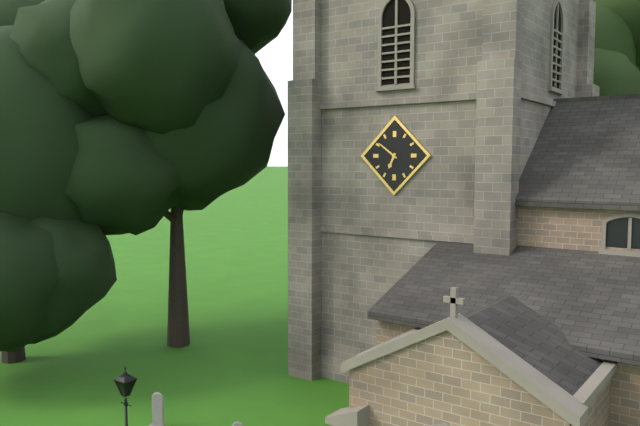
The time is 6h51
